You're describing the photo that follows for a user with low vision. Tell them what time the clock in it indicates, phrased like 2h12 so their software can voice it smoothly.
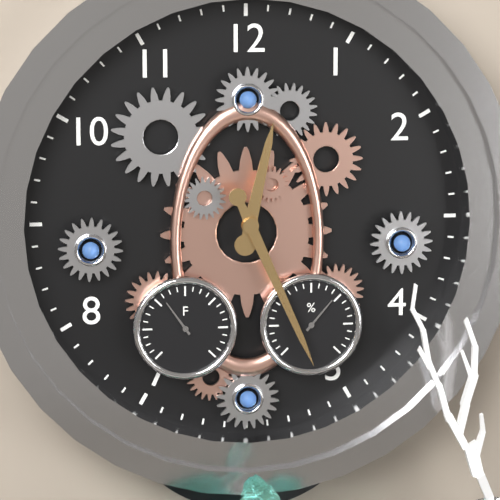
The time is 12h26
